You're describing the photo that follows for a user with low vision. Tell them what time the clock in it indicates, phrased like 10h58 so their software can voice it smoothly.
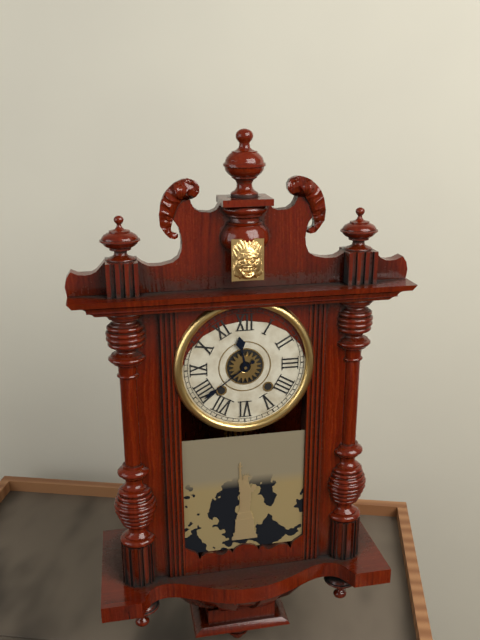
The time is 11h39
